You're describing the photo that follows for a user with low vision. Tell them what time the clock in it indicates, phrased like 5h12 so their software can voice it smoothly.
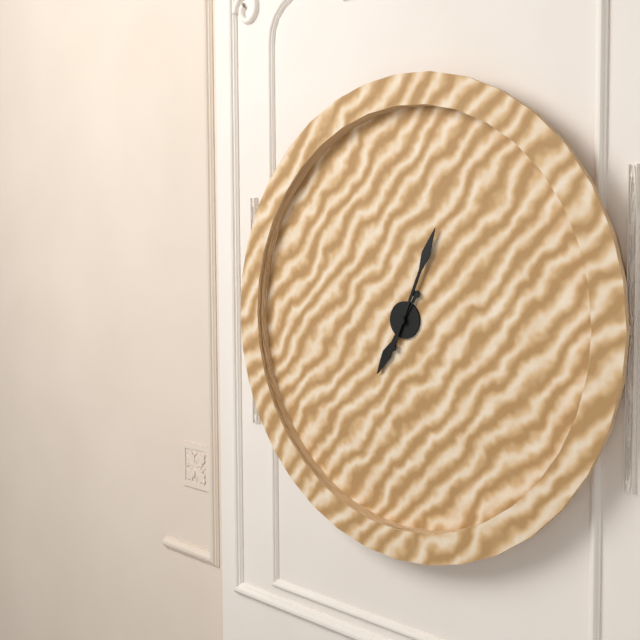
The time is 7h04
